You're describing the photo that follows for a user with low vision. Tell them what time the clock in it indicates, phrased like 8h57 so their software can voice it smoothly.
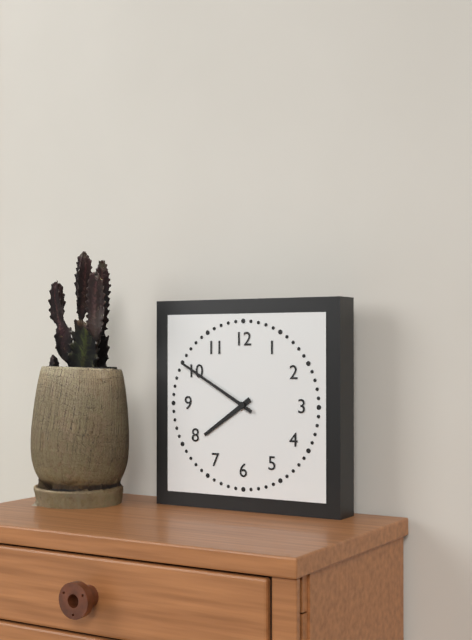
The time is 7h50
